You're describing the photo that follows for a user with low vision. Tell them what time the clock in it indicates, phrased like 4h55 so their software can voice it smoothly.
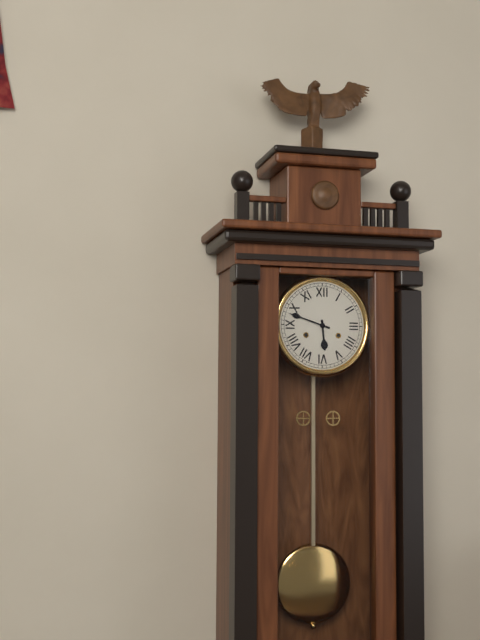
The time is 5h48
